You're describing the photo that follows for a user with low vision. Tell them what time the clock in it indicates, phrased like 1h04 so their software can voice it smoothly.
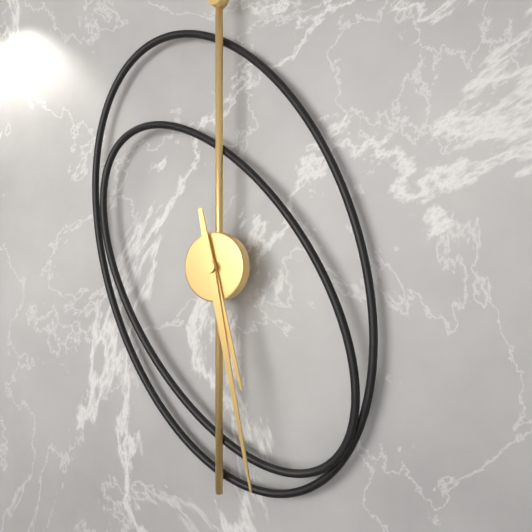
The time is 5h28
